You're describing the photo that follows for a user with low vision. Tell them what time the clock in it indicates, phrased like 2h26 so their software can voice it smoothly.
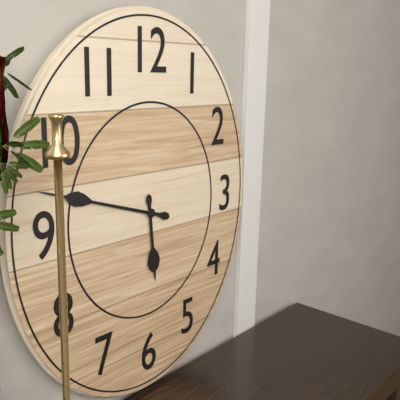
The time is 5h48
